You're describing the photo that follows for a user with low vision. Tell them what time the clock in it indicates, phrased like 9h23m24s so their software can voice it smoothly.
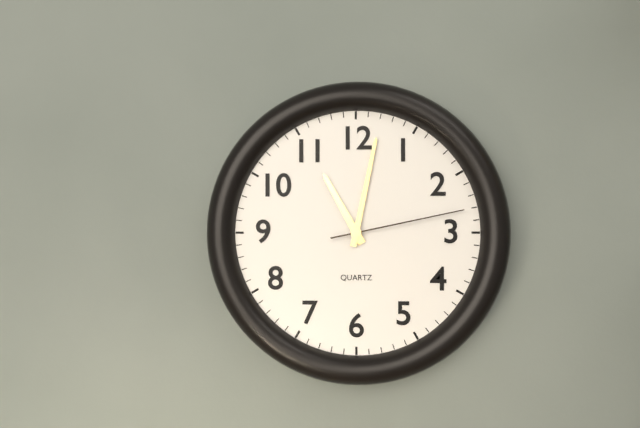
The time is 11h02m13s
